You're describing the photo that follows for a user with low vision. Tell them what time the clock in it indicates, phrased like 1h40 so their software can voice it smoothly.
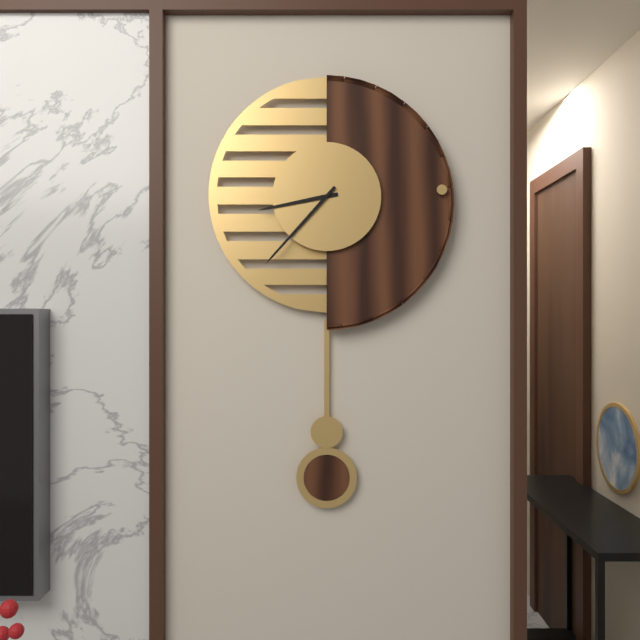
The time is 8h37
